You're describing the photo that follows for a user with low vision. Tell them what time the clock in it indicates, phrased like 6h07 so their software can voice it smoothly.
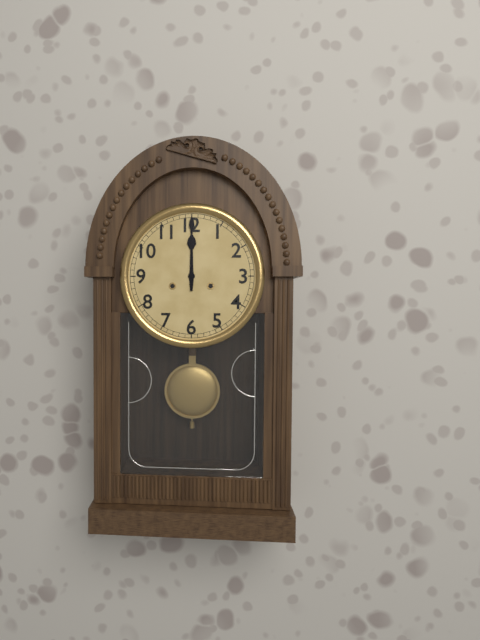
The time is 12h00
